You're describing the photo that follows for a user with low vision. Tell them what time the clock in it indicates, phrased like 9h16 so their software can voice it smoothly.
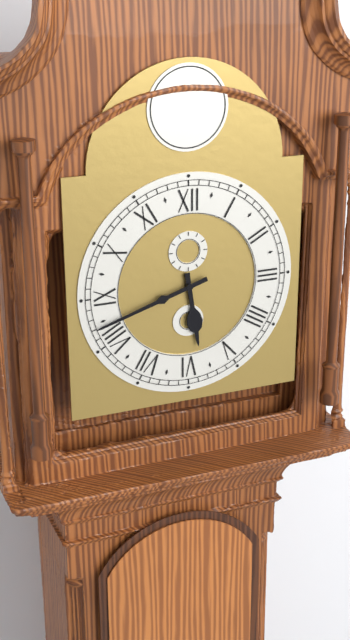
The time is 5h42
